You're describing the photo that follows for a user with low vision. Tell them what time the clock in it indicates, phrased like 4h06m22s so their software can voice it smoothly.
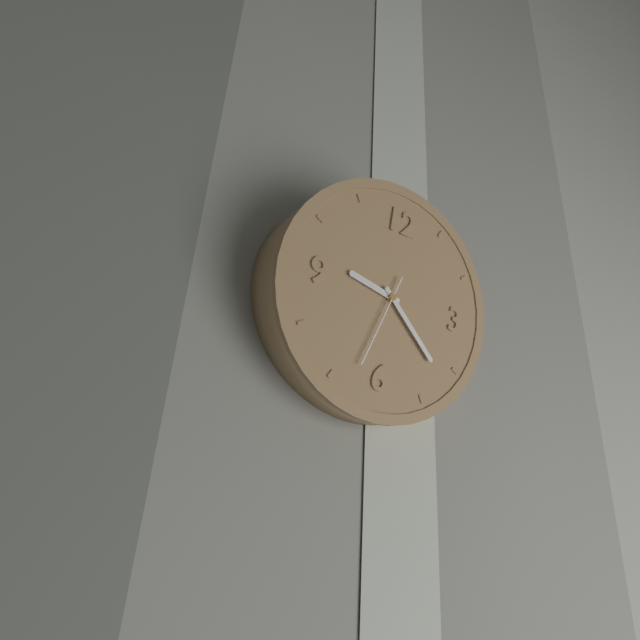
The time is 9h22m33s
